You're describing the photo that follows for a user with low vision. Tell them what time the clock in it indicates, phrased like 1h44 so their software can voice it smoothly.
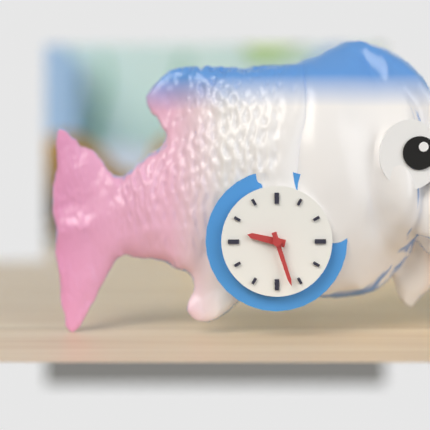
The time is 9h27
